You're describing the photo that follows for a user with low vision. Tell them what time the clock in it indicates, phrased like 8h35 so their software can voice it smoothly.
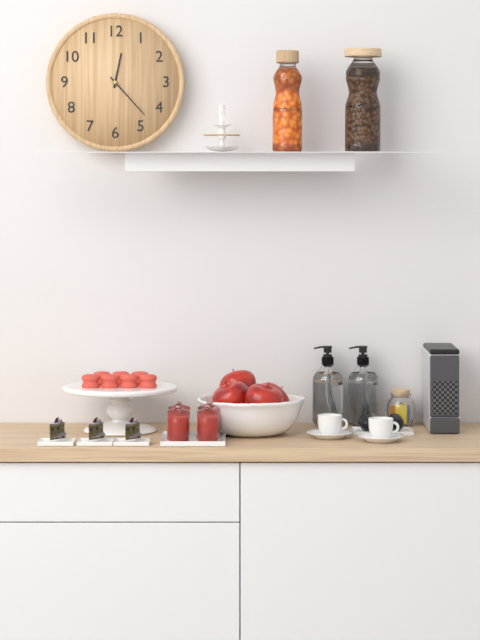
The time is 12h23
